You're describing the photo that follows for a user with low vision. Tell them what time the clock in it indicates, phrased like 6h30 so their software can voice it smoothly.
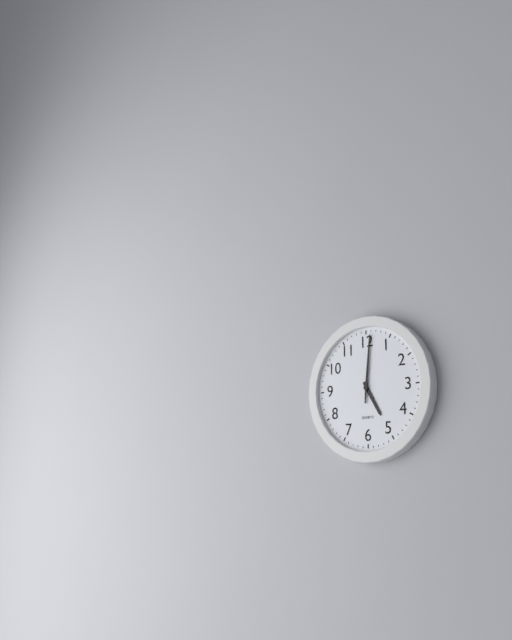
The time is 5h01
